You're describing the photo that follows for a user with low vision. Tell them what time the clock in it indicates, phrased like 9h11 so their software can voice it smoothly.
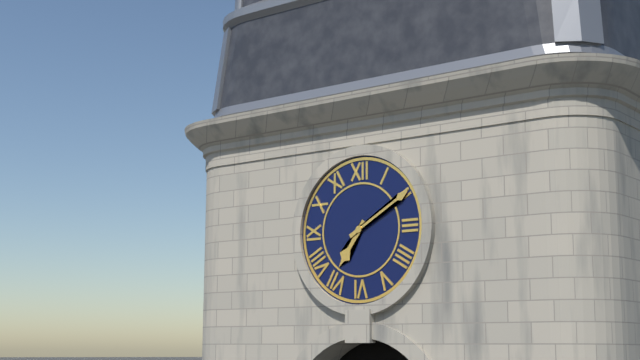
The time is 7h10
